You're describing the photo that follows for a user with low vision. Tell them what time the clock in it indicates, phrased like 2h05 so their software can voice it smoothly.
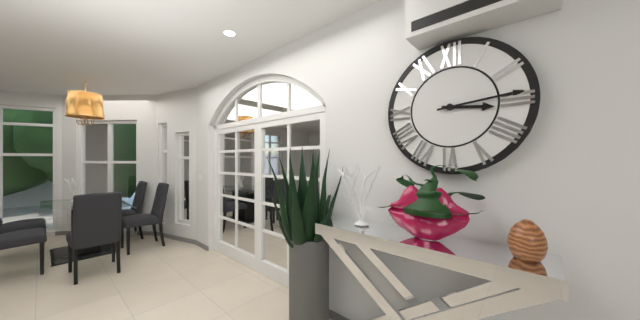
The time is 3h14
